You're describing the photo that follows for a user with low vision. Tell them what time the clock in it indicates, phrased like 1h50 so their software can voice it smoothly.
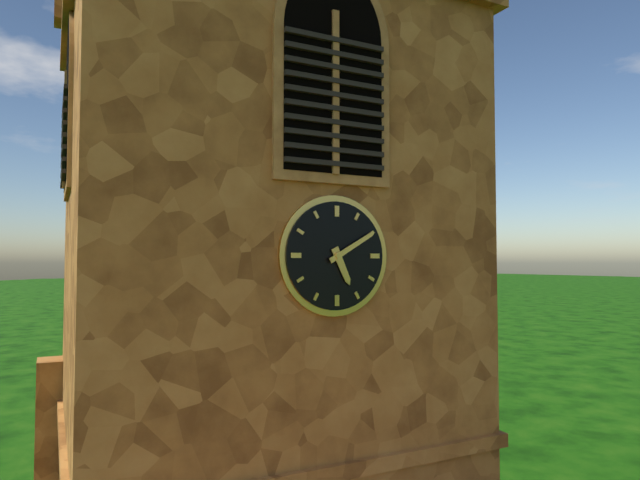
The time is 5h10
